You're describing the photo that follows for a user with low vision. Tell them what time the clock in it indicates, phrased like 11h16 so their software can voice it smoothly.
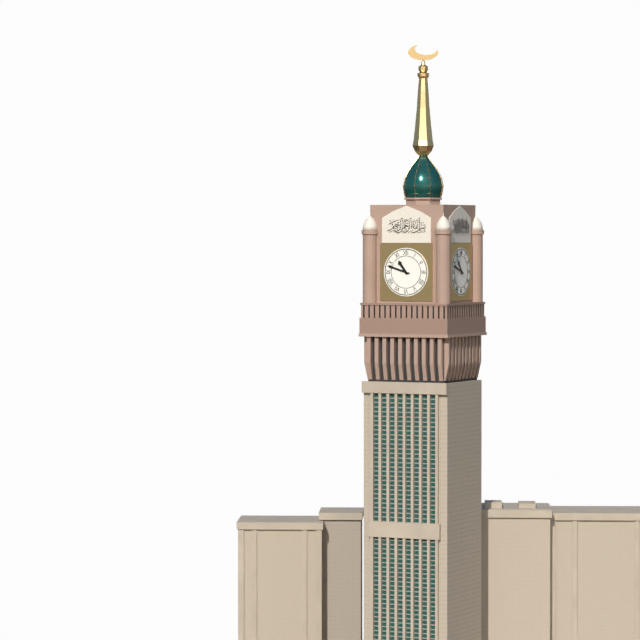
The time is 10h48
